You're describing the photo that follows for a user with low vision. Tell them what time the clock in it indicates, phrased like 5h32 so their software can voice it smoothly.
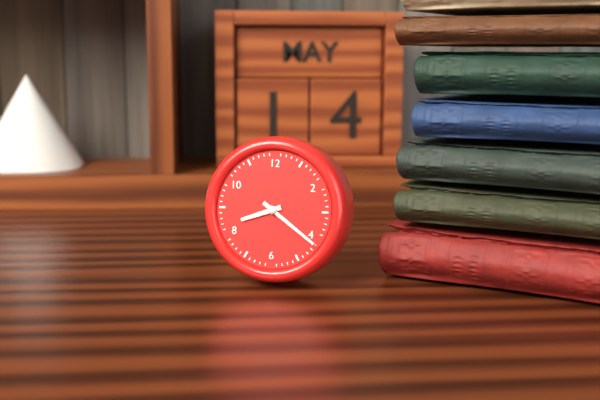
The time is 8h21
